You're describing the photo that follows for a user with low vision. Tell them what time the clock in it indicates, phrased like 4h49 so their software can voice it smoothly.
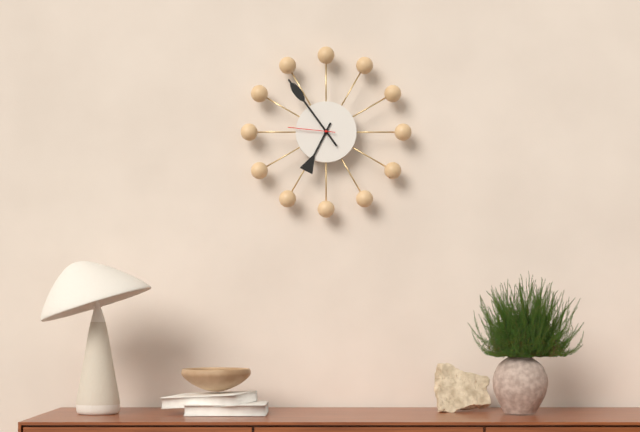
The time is 6h54
